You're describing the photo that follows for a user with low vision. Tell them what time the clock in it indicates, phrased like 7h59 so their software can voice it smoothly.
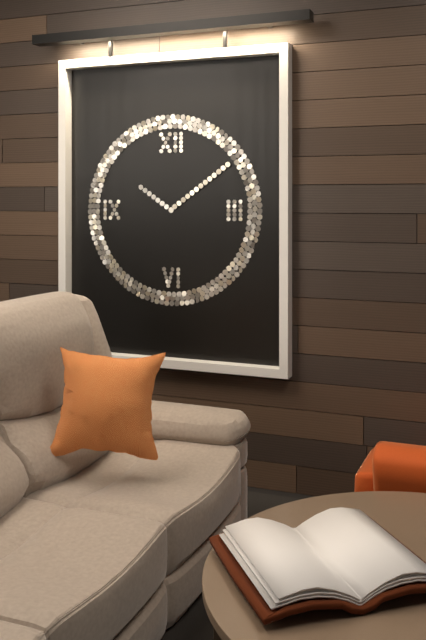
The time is 10h09
